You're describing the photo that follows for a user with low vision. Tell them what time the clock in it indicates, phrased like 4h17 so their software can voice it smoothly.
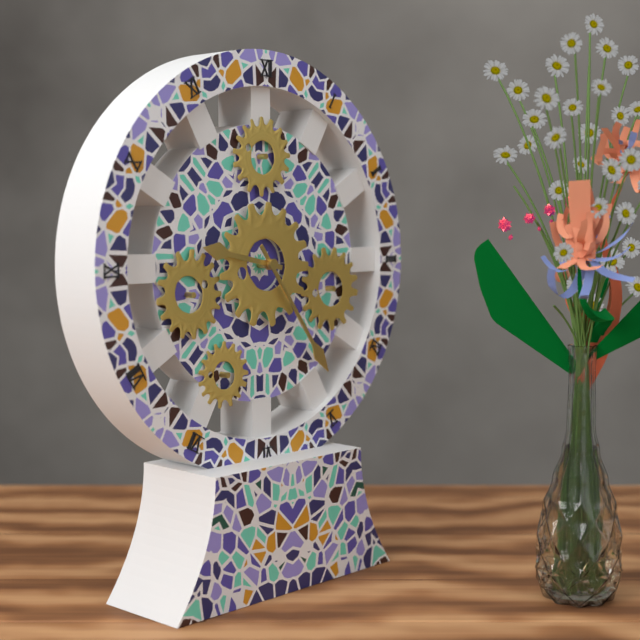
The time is 9h24
